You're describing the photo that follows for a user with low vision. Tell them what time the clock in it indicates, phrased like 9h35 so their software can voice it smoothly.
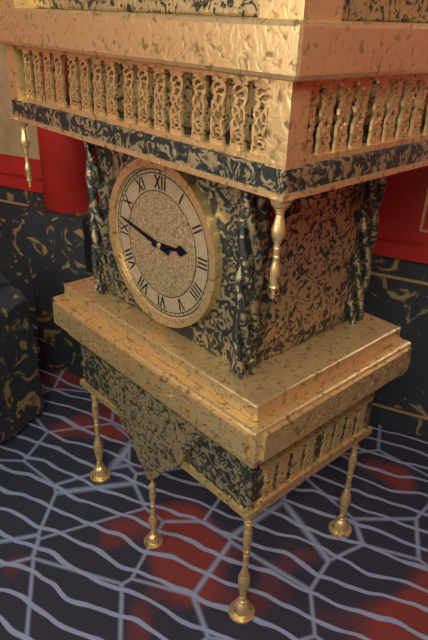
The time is 2h47
